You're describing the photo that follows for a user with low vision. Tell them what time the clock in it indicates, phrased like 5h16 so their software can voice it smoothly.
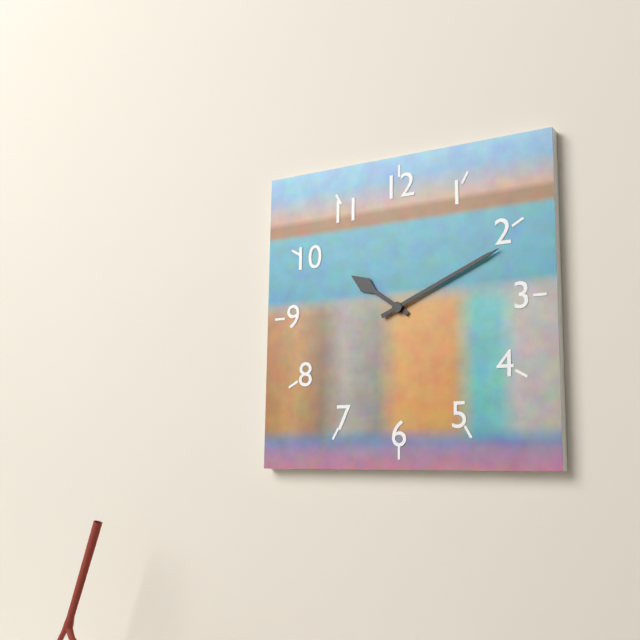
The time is 10h11
